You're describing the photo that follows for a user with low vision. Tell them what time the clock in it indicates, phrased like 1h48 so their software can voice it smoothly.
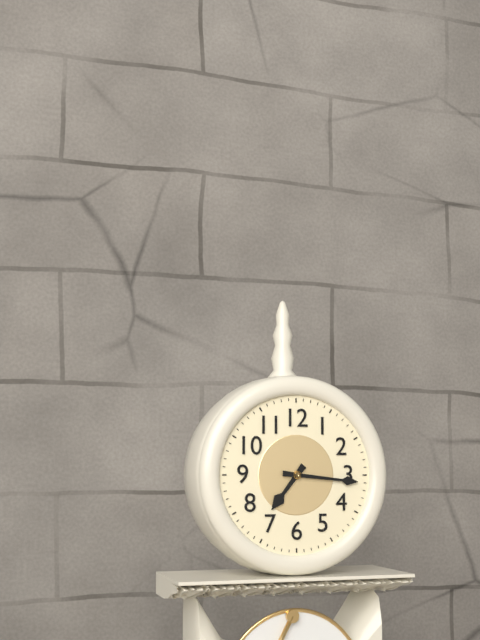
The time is 7h16
